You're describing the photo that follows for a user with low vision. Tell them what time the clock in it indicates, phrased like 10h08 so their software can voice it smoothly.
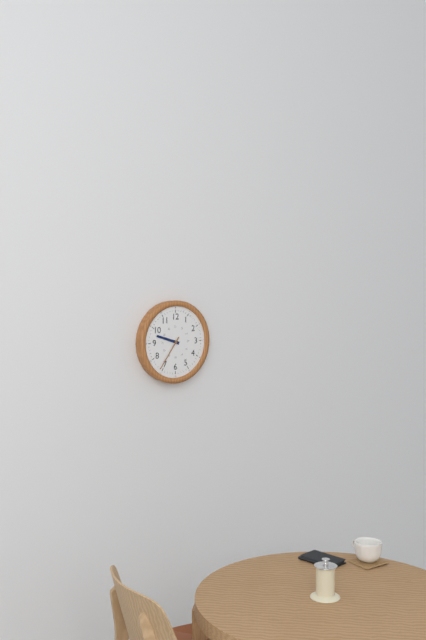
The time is 9h36
